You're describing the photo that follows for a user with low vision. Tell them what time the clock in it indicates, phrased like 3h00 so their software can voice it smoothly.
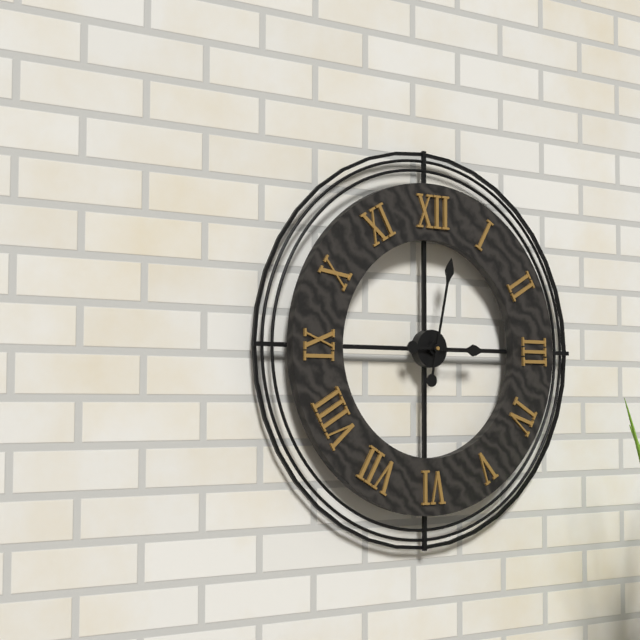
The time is 3h02
